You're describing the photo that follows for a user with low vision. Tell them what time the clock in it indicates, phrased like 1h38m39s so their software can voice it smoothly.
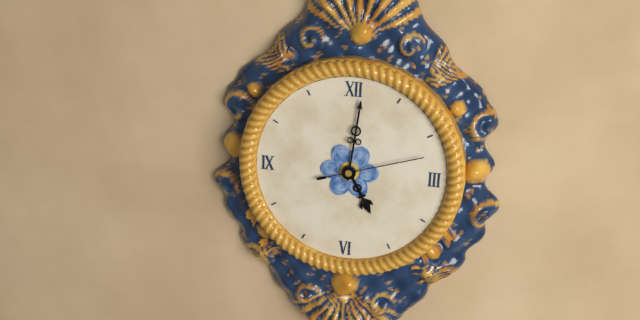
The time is 5h01m12s
